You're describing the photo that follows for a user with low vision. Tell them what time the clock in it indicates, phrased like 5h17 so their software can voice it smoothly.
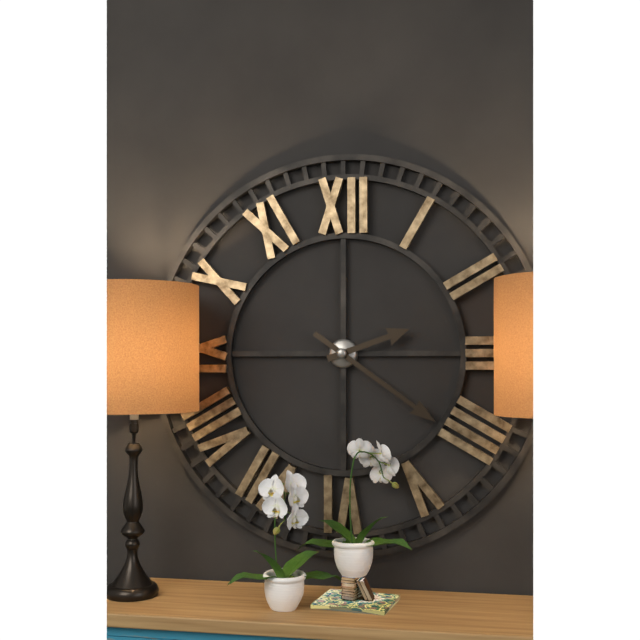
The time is 2h21
